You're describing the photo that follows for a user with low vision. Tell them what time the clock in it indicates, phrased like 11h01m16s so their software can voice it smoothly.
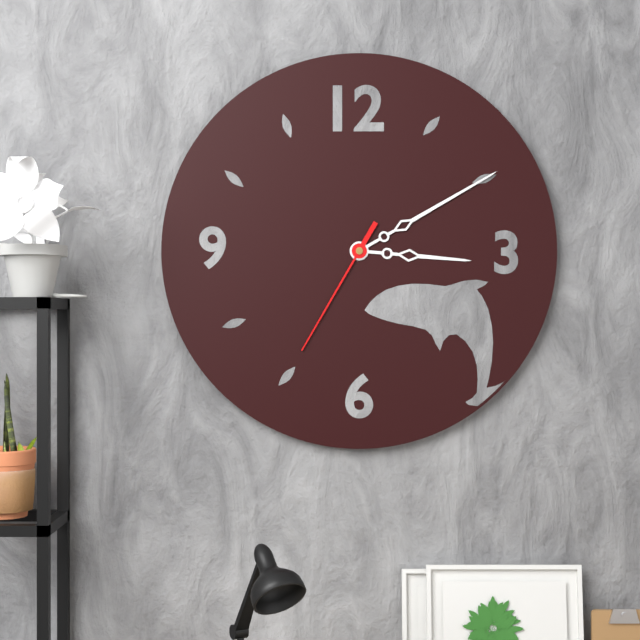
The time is 3h10m35s
